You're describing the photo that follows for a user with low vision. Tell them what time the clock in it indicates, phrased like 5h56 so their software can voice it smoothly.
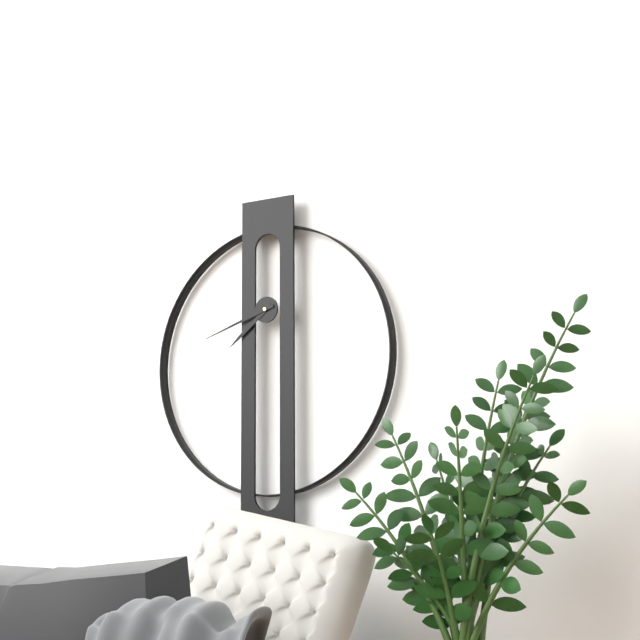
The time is 7h42
